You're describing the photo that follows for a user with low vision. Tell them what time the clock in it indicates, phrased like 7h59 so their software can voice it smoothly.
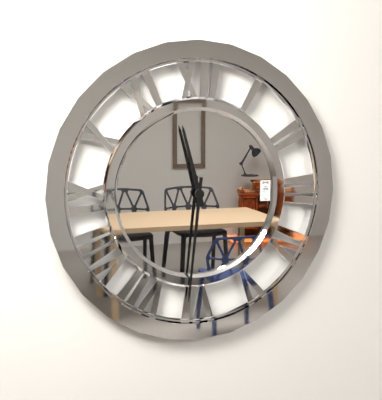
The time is 11h31
